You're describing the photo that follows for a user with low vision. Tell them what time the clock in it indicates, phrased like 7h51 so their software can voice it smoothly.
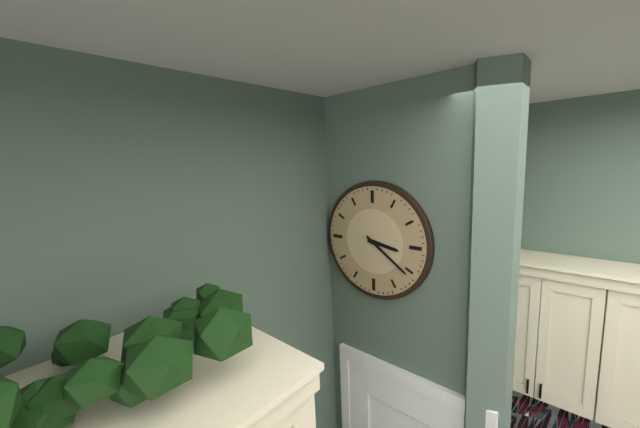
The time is 3h21
